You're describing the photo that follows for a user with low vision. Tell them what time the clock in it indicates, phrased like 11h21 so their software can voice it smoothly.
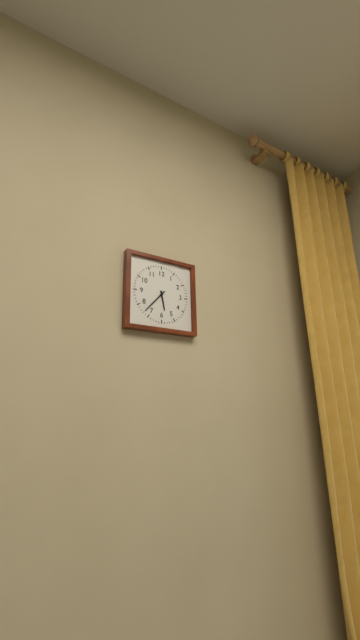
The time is 5h37
